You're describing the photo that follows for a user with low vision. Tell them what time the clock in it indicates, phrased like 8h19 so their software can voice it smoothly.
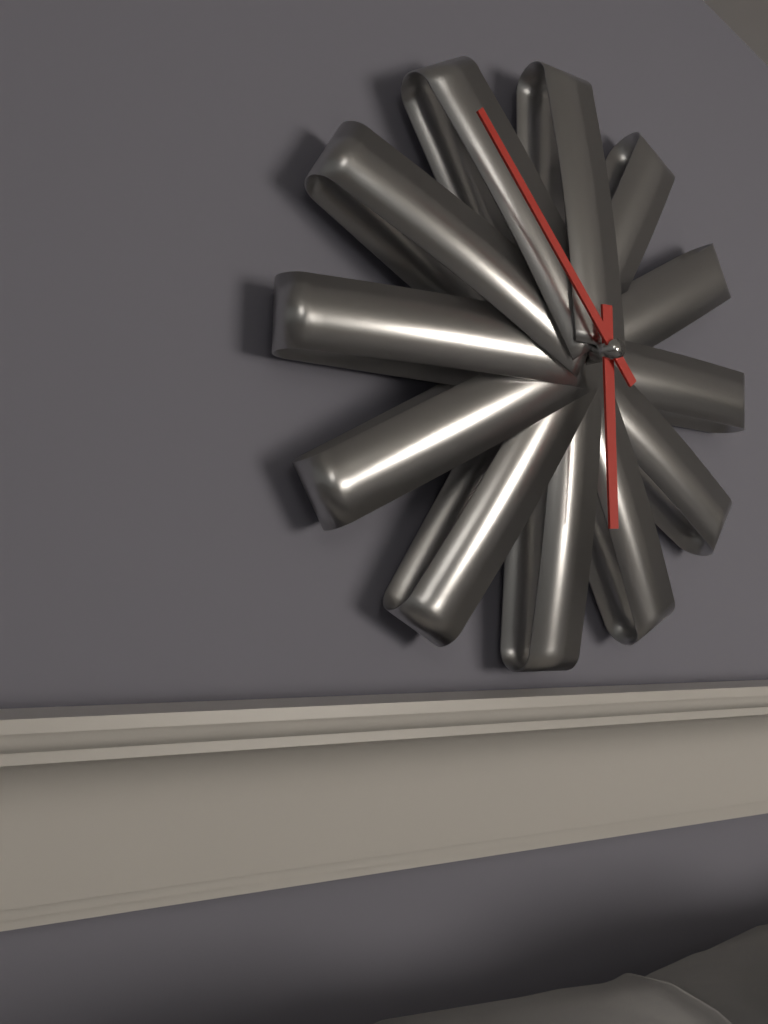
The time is 5h53
